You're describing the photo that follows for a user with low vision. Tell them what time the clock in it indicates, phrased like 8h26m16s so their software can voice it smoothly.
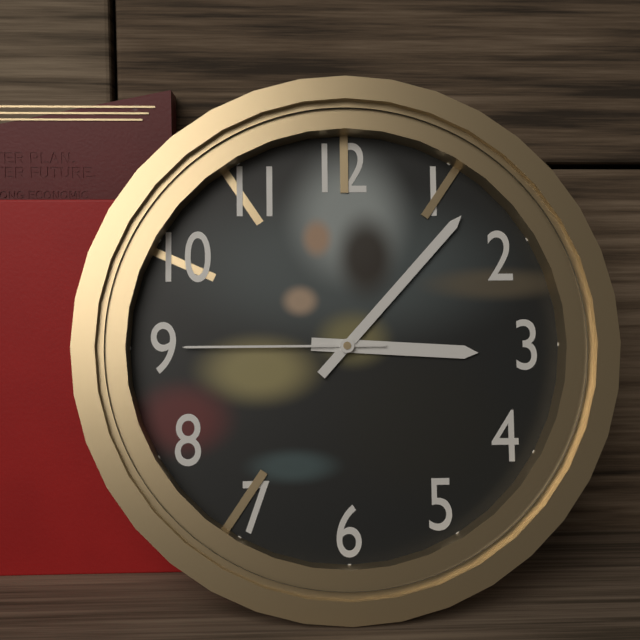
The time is 3h07m45s
